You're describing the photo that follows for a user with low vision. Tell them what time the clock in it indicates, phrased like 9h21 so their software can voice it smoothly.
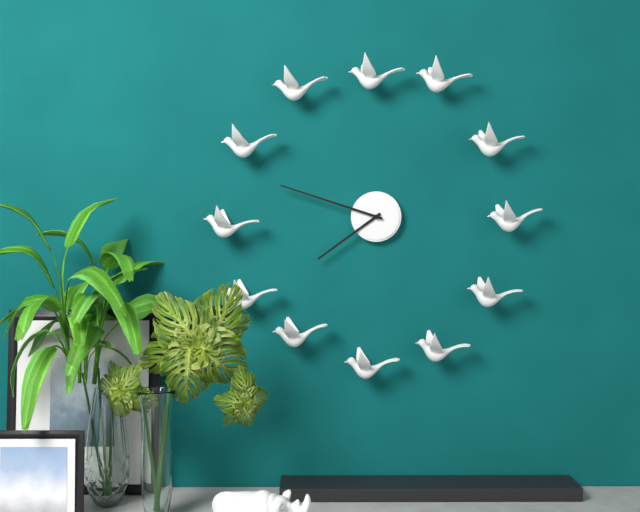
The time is 7h48
